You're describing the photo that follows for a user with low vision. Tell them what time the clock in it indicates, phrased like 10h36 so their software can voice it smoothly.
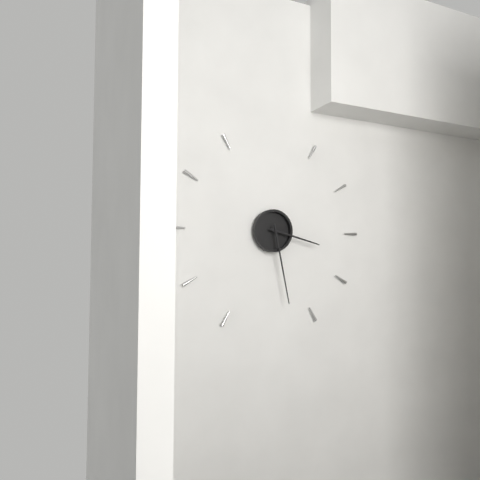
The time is 3h28
